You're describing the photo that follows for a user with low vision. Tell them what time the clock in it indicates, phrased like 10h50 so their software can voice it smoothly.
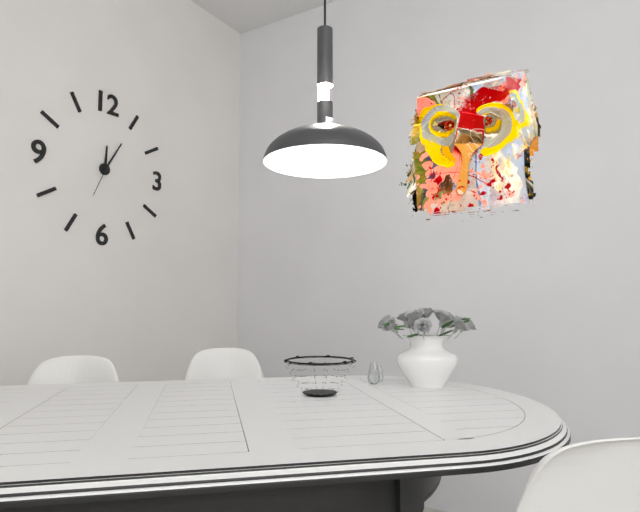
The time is 12h05
